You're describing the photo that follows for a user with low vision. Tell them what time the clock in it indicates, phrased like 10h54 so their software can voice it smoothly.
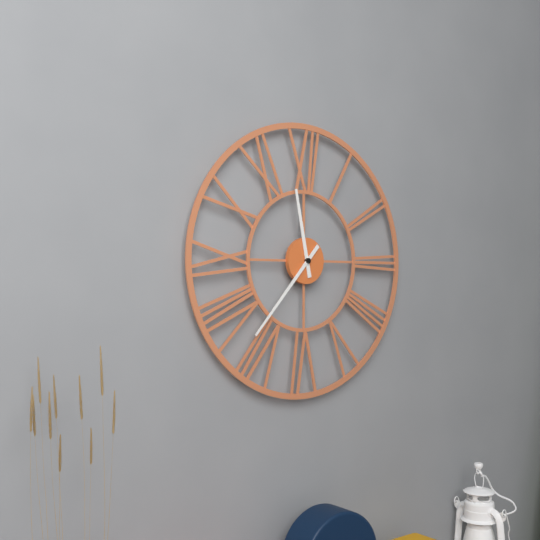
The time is 11h37
